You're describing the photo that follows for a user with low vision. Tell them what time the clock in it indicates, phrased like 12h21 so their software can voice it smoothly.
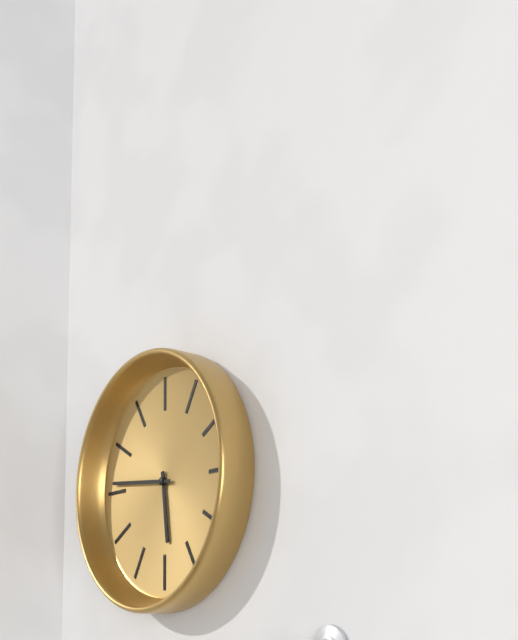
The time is 5h46
